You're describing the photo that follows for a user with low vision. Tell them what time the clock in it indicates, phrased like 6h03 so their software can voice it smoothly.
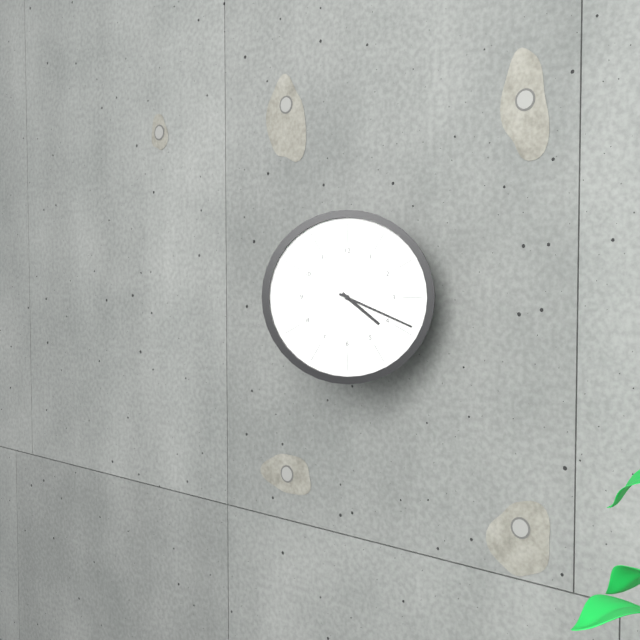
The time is 4h19
